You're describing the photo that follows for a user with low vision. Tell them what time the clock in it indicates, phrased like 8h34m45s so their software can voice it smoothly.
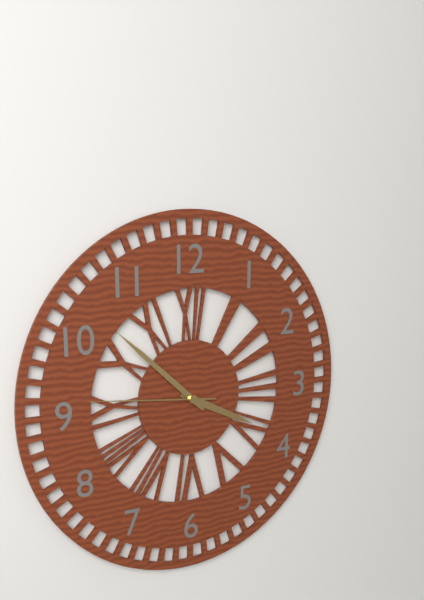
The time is 3h52m46s
